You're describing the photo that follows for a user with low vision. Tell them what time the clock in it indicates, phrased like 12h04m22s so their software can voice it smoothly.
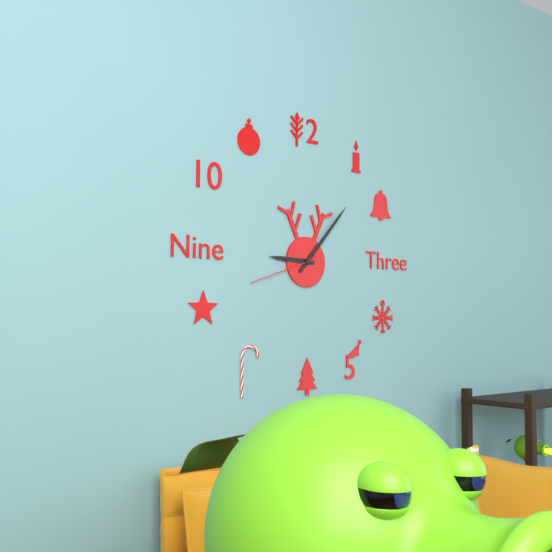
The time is 9h07m42s
